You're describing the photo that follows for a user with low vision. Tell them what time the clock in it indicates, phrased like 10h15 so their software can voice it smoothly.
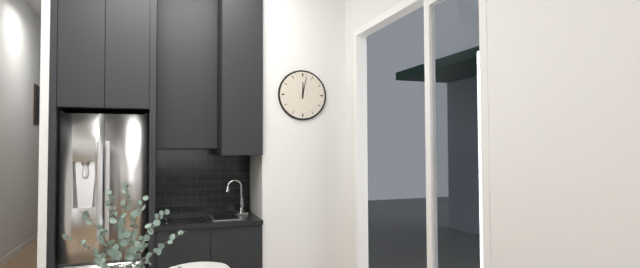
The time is 12h02
